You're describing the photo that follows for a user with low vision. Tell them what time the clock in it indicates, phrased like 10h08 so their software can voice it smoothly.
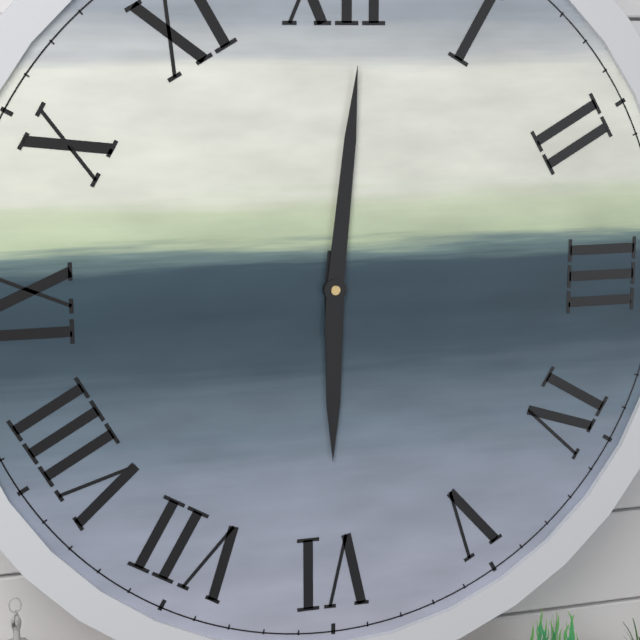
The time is 6h01
